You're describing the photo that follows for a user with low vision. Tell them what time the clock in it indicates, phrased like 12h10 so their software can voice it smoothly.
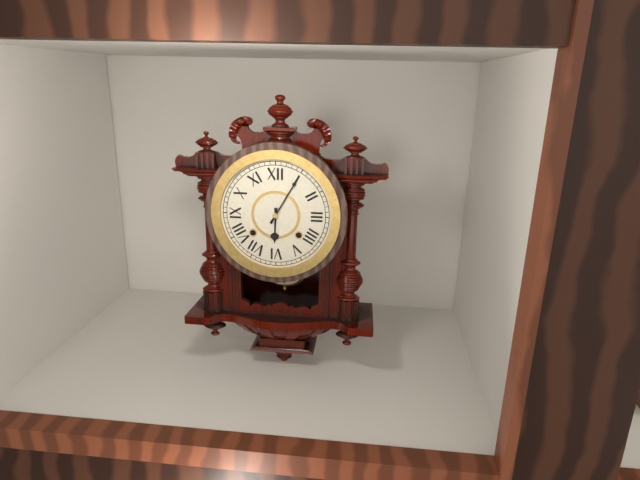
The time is 6h05
